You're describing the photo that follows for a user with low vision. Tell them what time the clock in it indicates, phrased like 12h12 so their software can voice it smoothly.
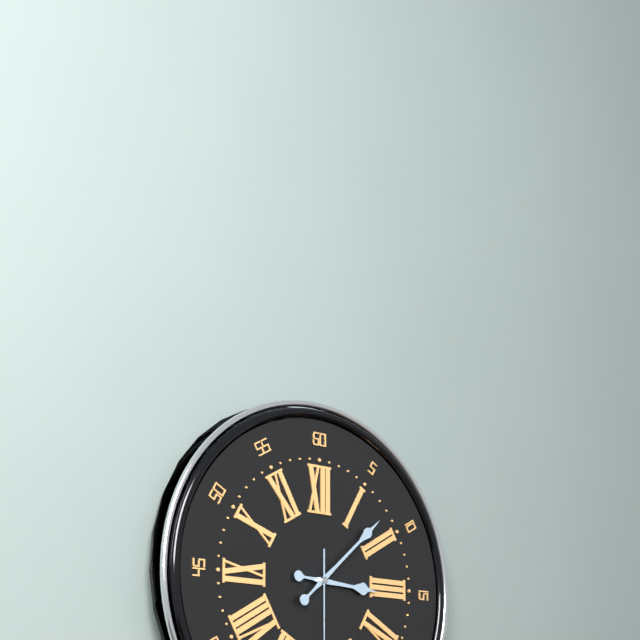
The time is 3h08
